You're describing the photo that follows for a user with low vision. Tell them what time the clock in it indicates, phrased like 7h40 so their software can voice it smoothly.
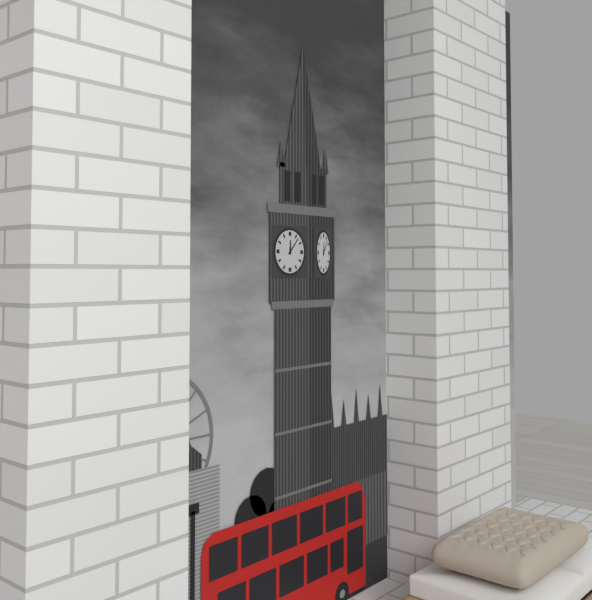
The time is 12h07
